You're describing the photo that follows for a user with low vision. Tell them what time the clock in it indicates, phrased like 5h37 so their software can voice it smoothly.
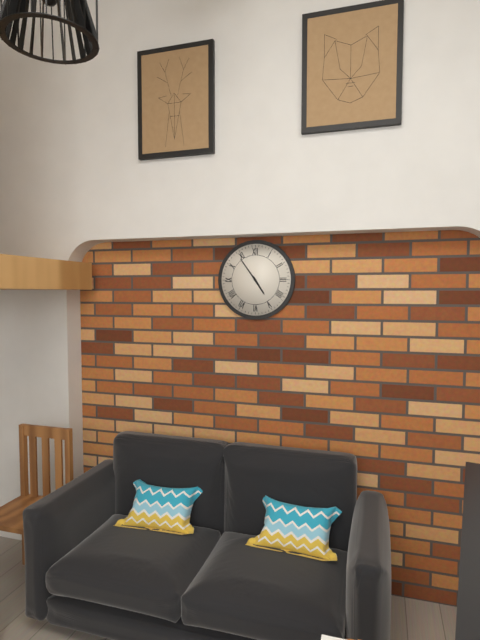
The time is 4h54
